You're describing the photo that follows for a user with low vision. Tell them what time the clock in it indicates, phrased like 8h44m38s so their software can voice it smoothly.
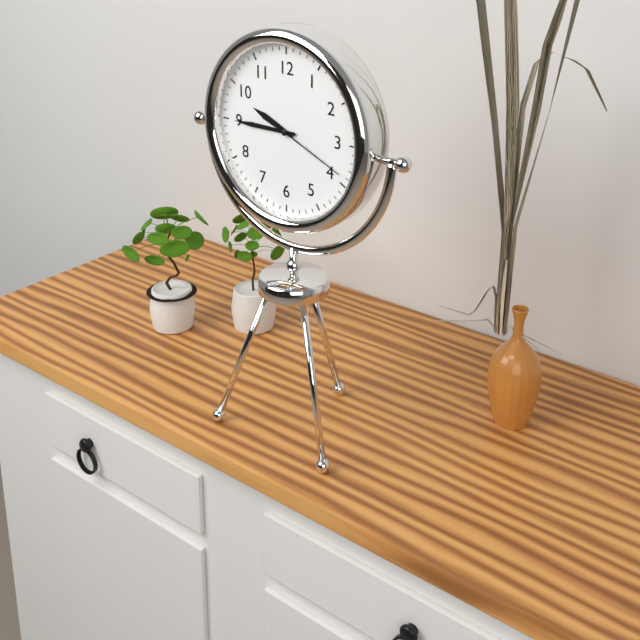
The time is 9h45m19s
